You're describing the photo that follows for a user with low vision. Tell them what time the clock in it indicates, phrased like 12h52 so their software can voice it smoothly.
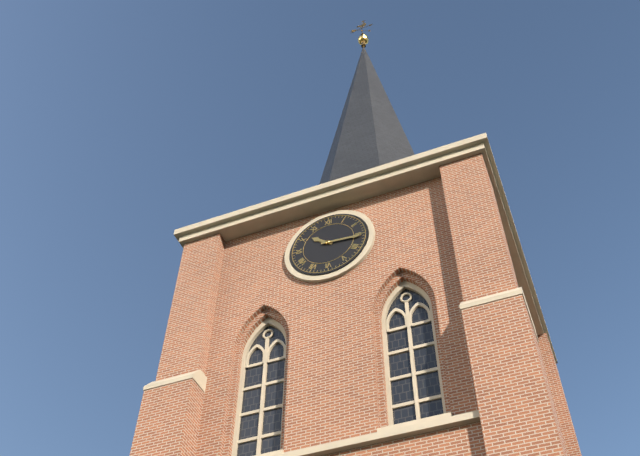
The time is 10h16
